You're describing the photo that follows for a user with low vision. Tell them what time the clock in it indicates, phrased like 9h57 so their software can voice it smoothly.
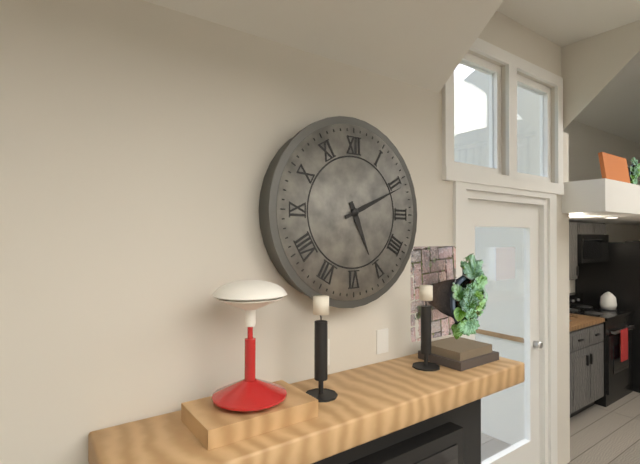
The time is 5h11
